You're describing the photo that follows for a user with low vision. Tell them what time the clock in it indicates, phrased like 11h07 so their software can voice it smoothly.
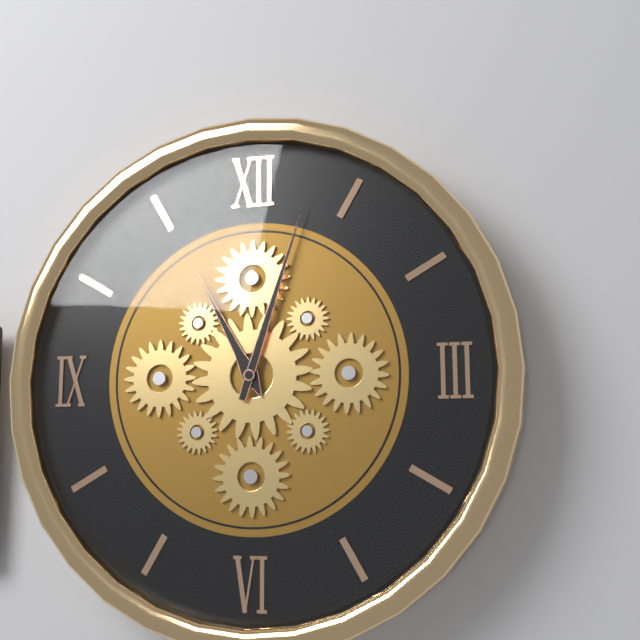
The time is 11h03
